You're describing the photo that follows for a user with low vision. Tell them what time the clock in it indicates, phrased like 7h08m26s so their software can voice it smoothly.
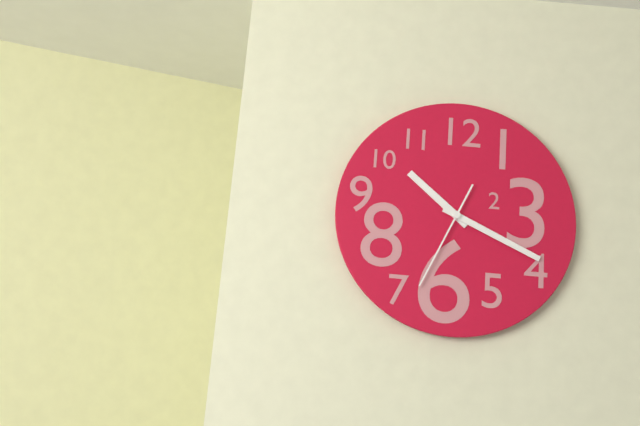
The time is 10h19m34s
